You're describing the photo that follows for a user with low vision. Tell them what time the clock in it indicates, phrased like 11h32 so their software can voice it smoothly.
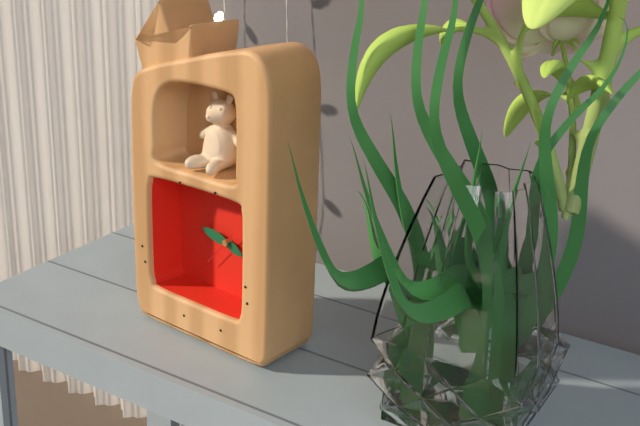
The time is 3h47
